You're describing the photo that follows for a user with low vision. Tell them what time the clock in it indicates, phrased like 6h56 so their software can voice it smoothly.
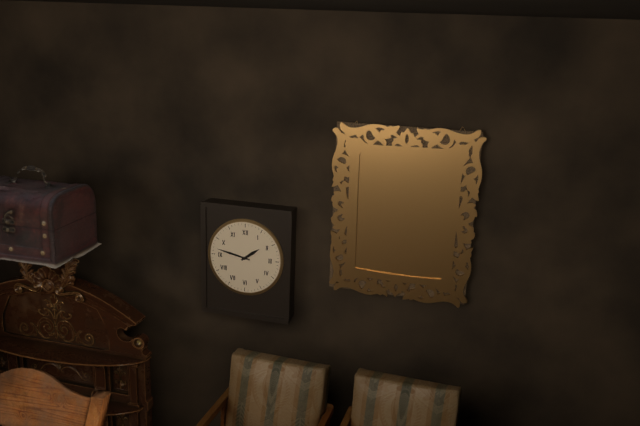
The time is 1h47
